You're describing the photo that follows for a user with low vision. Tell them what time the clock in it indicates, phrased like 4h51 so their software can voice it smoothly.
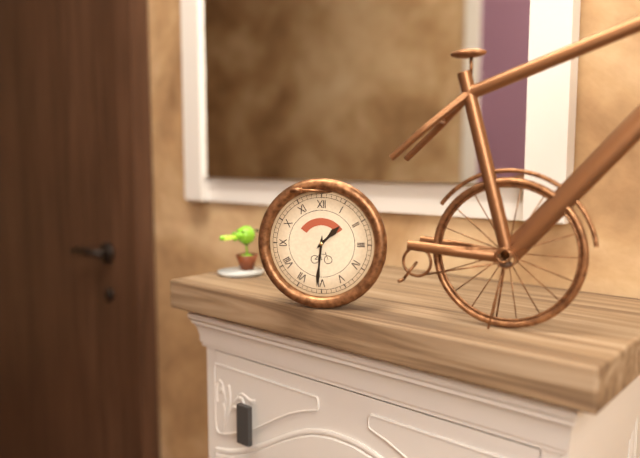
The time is 1h31
